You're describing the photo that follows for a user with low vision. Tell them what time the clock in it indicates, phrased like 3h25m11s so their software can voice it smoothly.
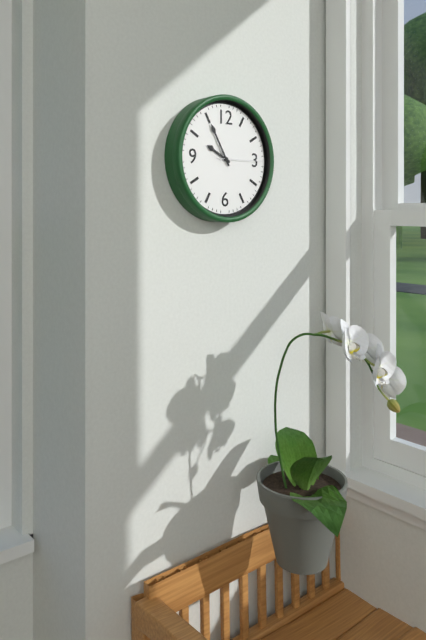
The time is 9h55m15s
